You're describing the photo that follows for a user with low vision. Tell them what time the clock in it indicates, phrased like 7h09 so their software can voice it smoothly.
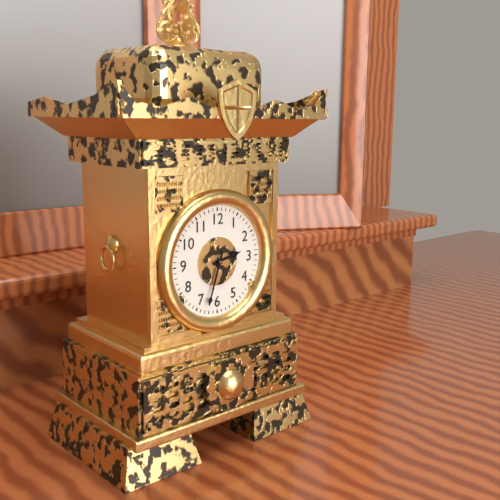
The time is 2h33
